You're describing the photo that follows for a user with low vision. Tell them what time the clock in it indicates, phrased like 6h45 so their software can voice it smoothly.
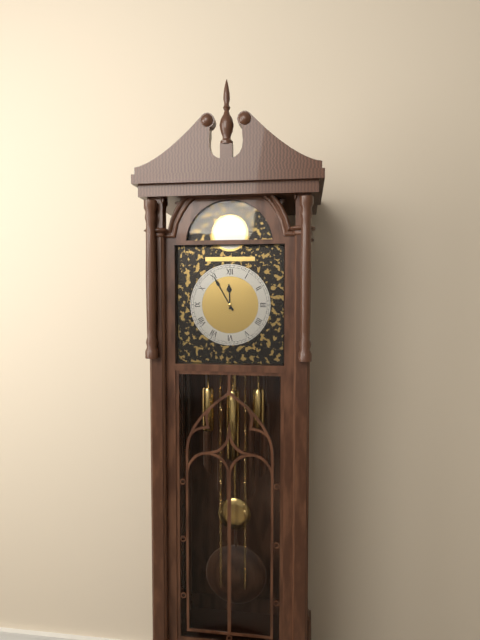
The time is 11h55
